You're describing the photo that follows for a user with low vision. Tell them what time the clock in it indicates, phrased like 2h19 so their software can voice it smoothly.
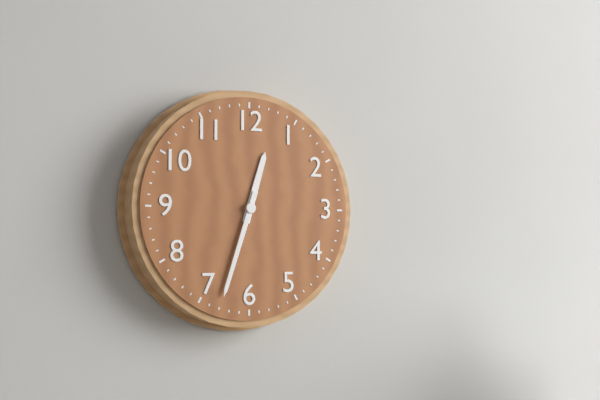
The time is 12h33
